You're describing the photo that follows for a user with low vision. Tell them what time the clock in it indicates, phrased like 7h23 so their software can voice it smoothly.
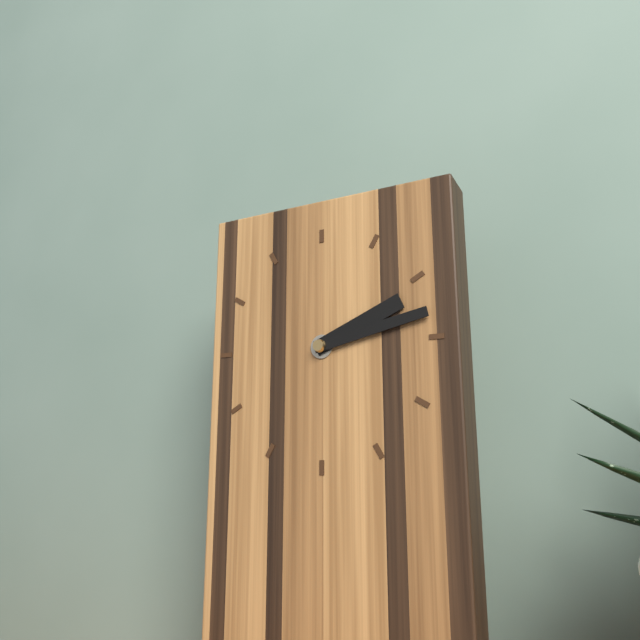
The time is 2h13
